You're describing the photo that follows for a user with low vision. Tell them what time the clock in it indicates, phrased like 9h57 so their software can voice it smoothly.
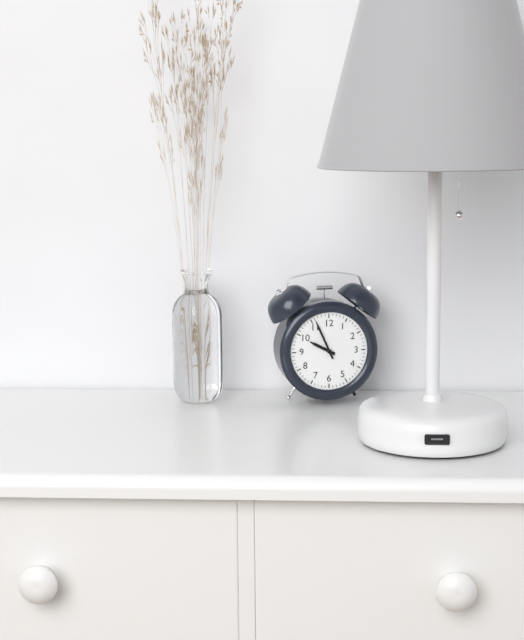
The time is 9h56
